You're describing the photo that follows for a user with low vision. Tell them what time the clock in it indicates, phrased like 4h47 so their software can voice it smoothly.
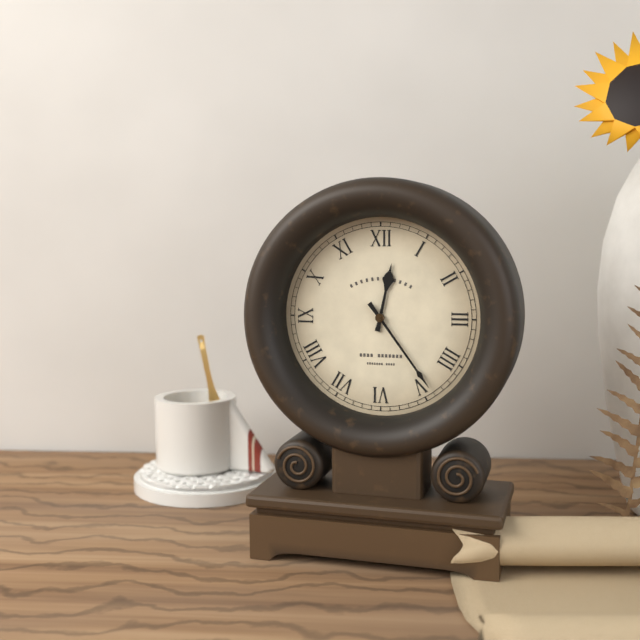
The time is 12h24
